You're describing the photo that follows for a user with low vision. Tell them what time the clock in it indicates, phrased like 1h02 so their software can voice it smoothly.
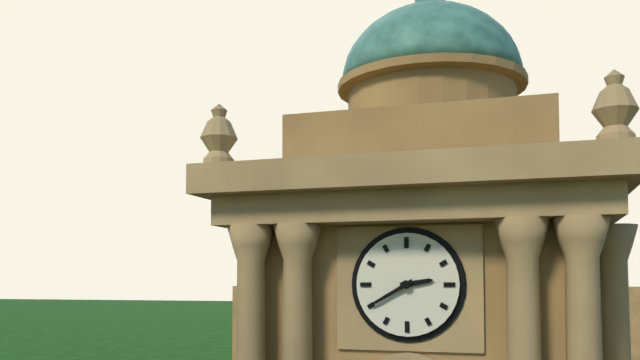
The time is 2h40
